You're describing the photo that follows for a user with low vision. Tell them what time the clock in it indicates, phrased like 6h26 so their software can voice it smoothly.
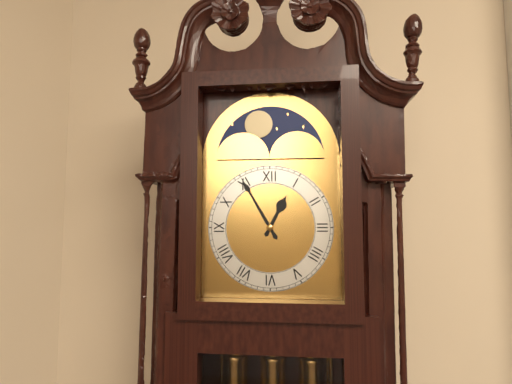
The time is 12h55
